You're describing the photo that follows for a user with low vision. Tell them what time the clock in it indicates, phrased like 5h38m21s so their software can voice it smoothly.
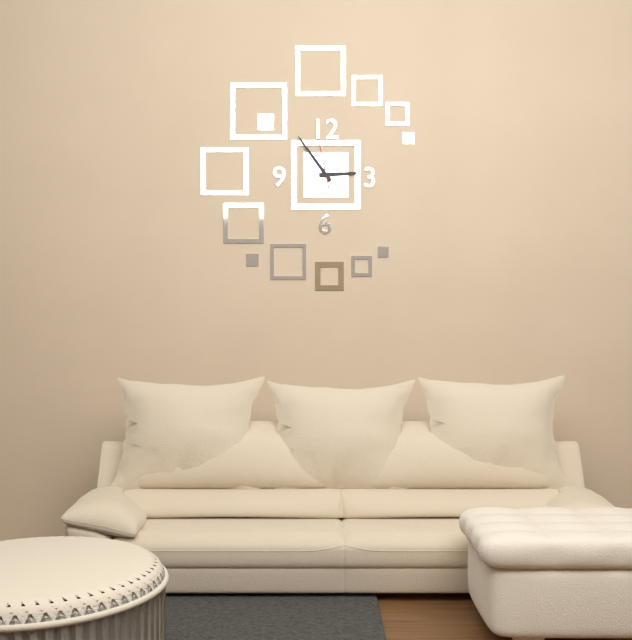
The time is 2h54m58s
